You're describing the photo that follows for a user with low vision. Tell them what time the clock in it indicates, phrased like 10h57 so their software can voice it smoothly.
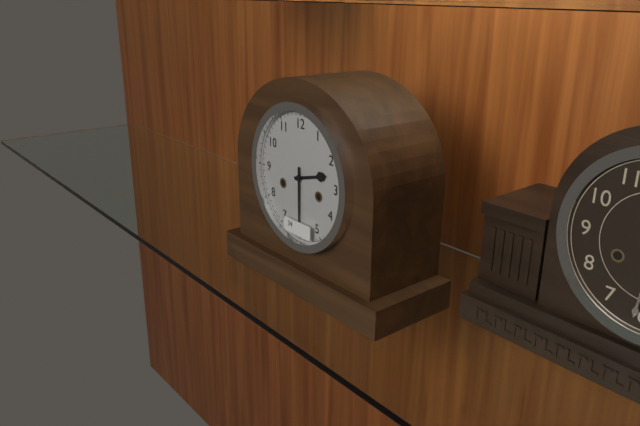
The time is 2h30
